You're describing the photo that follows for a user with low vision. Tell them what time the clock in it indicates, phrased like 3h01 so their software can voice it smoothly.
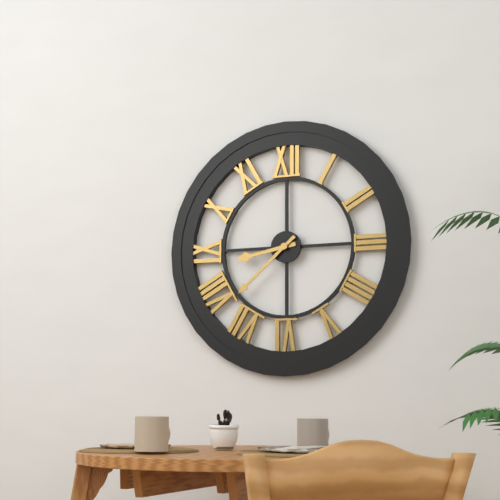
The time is 8h38
